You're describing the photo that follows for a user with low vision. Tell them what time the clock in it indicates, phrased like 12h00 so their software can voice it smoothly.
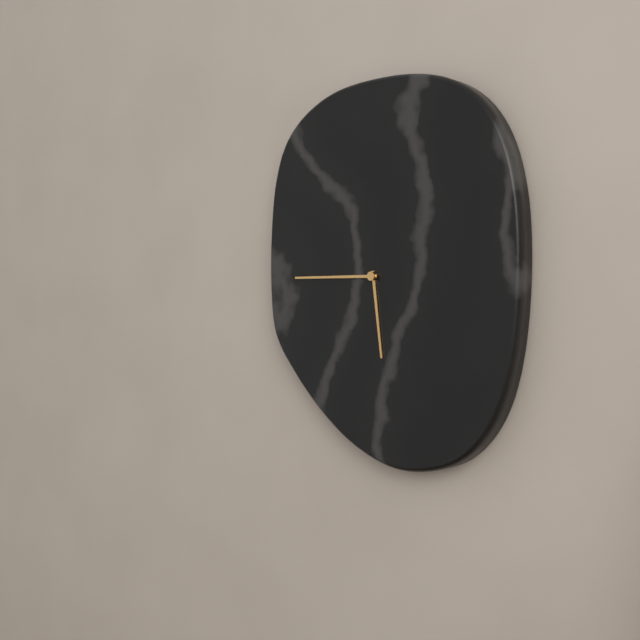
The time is 5h45
